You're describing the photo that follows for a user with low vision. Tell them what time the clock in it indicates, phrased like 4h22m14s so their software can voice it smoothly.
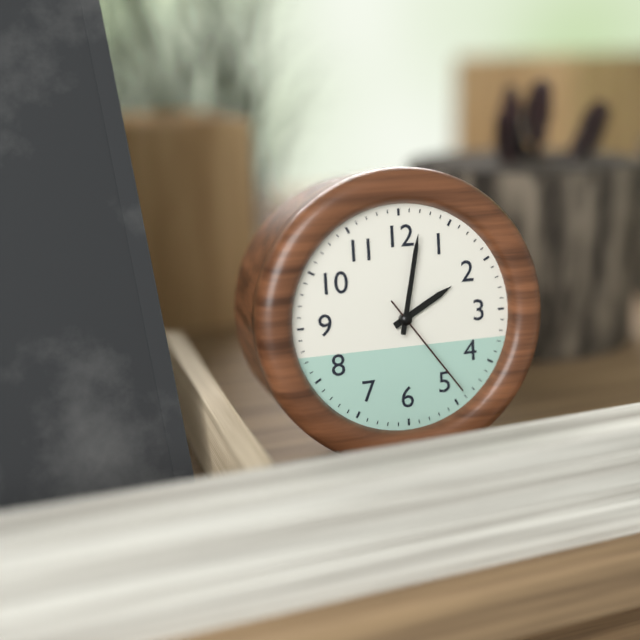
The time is 2h02m24s
